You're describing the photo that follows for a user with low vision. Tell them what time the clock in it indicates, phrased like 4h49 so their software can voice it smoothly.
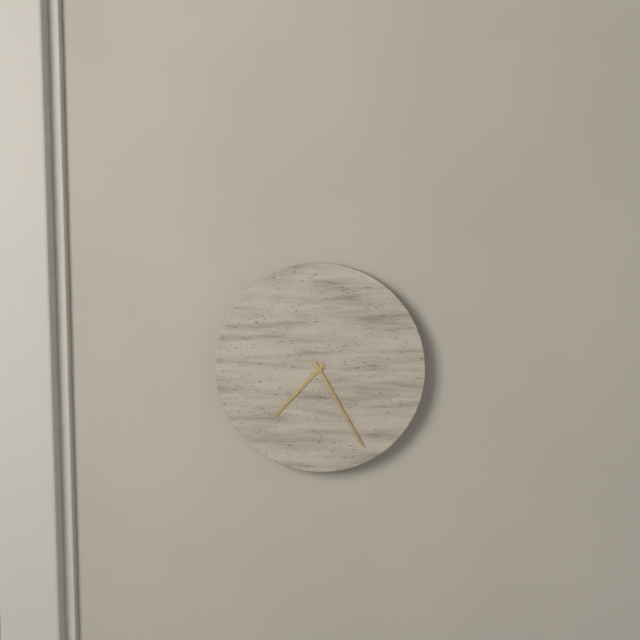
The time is 7h25
